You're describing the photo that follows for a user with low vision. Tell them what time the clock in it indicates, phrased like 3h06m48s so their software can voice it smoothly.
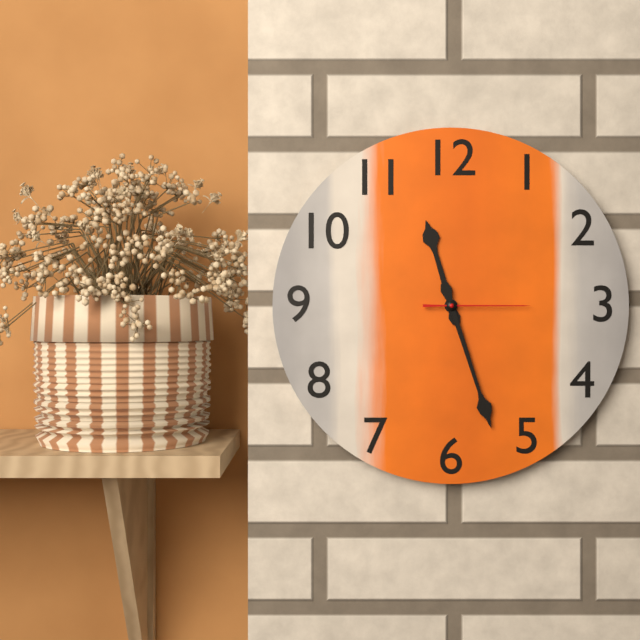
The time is 11h27m15s
